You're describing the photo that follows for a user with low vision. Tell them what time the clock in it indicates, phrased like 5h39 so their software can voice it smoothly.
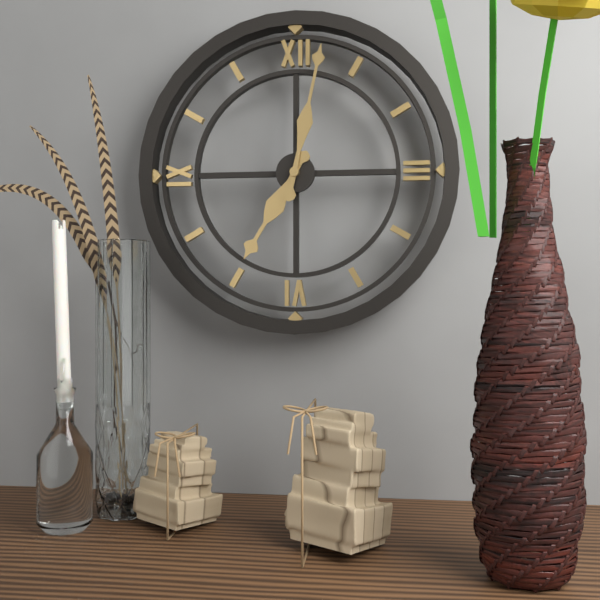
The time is 7h02
